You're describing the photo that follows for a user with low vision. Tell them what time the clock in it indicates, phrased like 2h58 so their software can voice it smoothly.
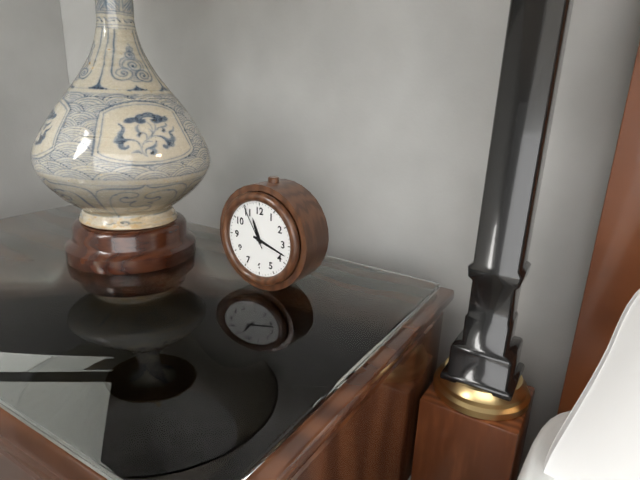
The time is 11h18
